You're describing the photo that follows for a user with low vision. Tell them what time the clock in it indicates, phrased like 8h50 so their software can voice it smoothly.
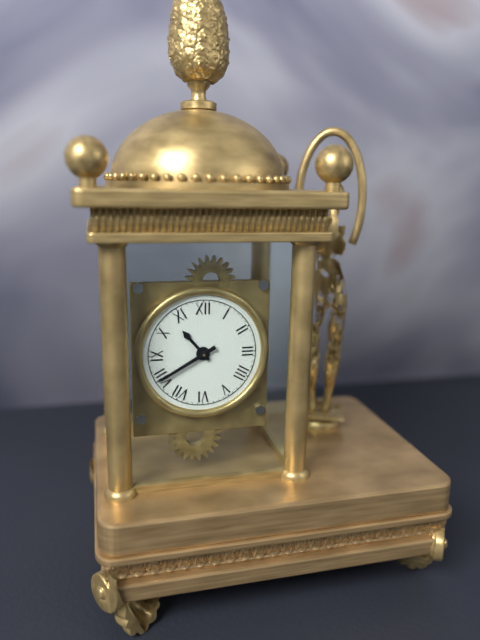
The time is 10h40
